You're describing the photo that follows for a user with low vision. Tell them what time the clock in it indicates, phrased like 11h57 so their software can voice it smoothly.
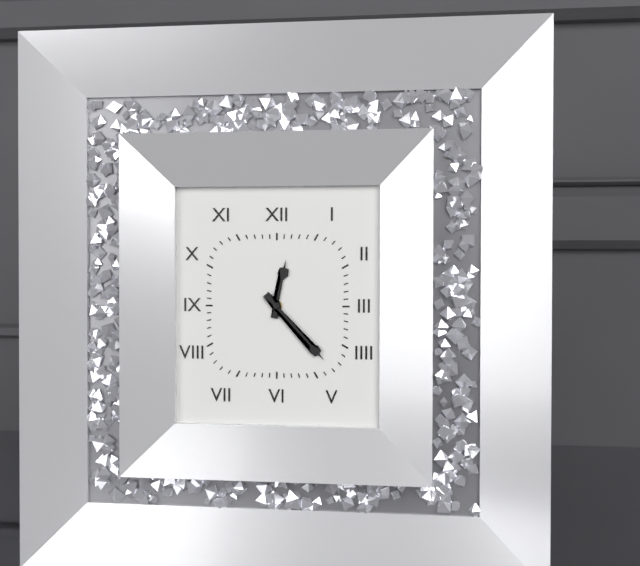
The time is 12h23
